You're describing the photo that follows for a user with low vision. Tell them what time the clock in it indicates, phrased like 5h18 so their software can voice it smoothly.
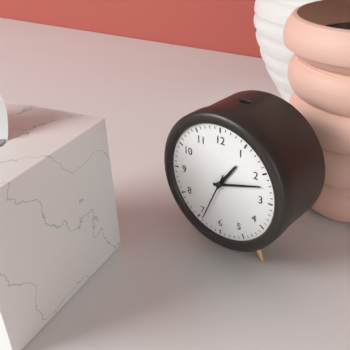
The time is 1h12
